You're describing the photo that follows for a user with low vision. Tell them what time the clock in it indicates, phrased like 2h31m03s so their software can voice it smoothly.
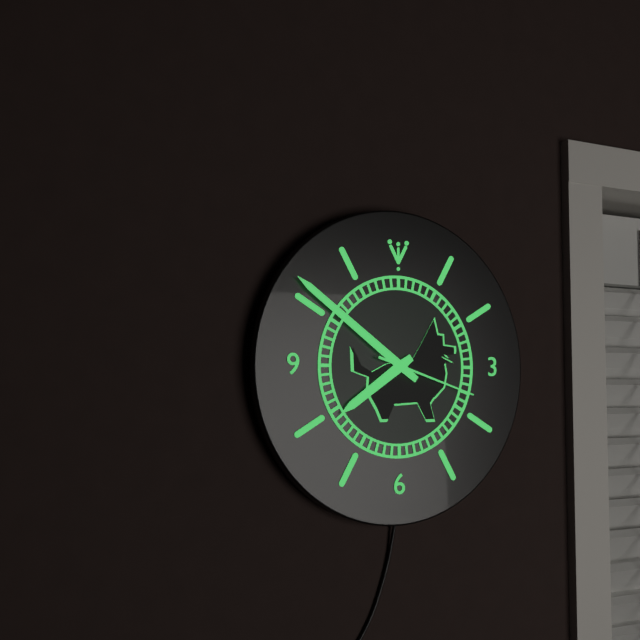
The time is 7h51m18s
